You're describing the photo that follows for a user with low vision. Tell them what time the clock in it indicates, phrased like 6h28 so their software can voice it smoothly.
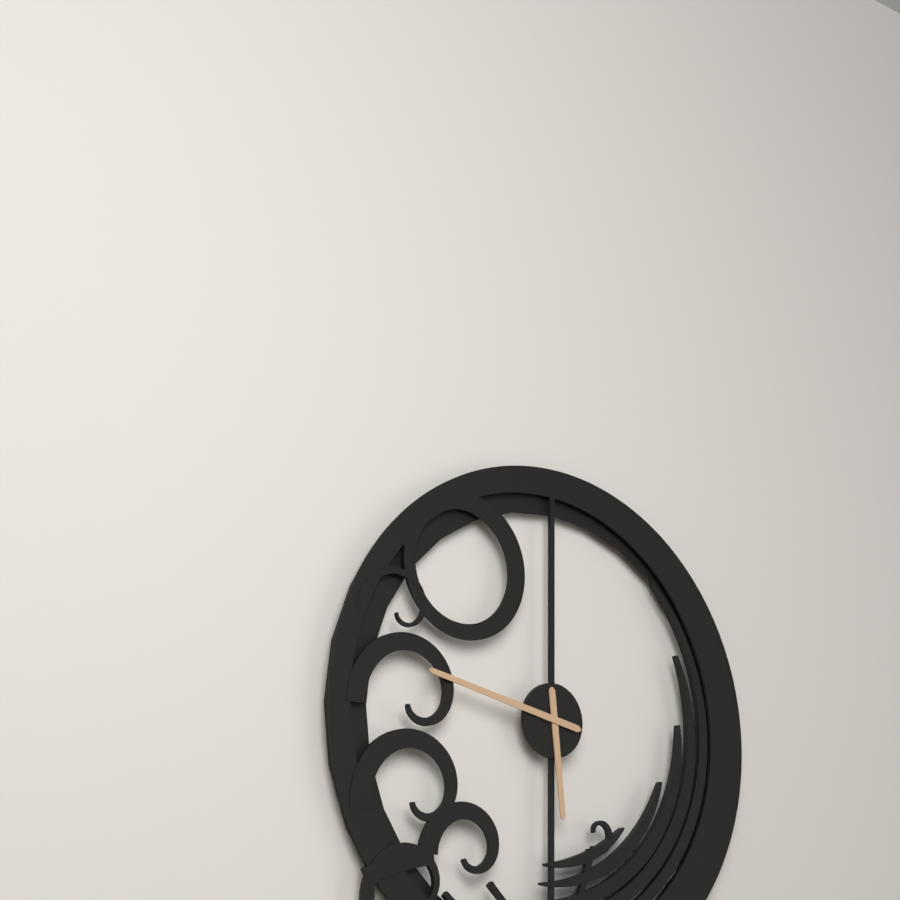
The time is 5h47
